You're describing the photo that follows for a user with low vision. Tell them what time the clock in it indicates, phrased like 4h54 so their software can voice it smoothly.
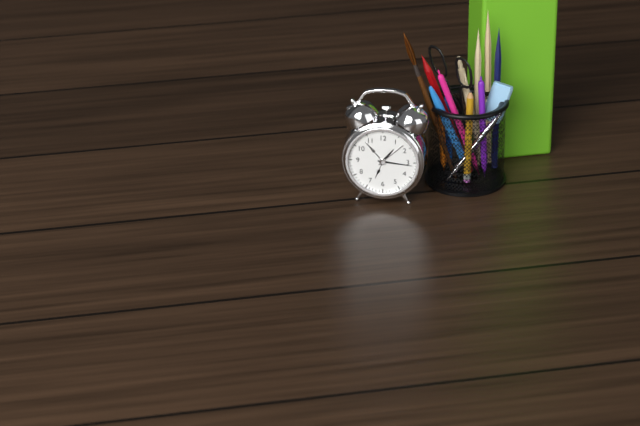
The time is 1h16
